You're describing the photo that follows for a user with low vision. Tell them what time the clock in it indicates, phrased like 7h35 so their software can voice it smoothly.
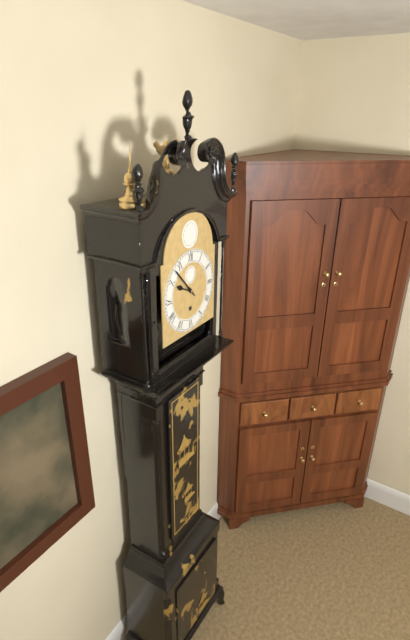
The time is 9h53
